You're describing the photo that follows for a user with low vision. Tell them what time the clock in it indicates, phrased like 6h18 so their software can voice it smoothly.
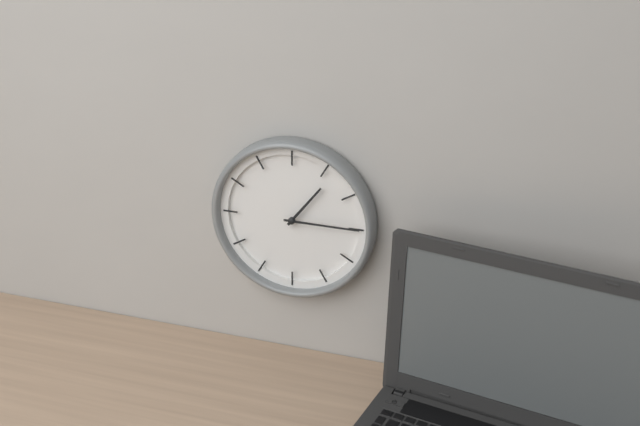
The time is 1h15
